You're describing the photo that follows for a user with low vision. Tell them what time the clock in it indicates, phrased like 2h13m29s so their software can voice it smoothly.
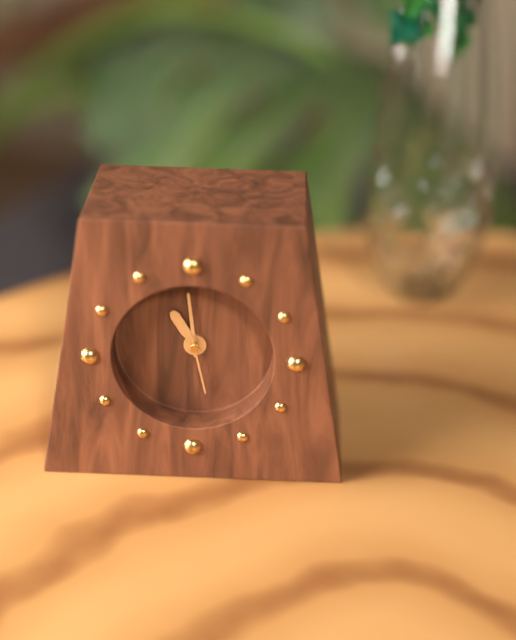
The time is 10h59m28s
